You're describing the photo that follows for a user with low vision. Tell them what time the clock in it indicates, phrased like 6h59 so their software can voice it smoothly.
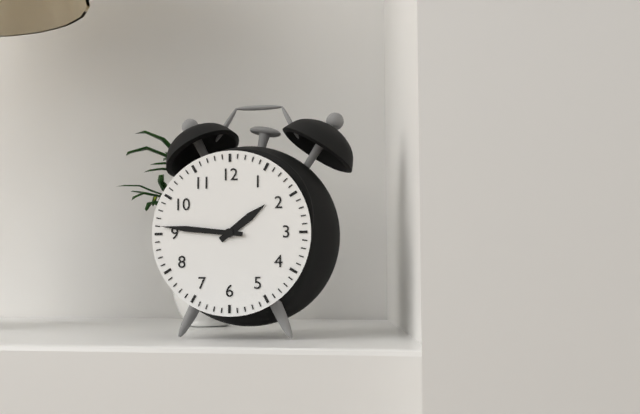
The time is 1h46
